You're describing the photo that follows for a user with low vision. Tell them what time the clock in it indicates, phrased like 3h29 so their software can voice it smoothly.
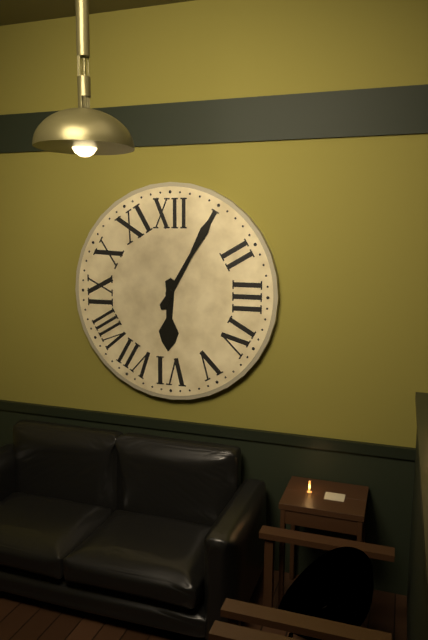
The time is 6h05
